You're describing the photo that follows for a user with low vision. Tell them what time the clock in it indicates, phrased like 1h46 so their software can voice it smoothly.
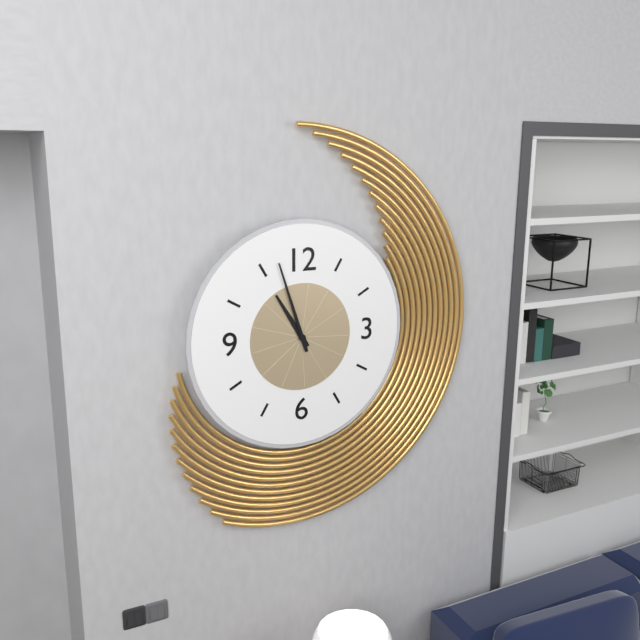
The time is 10h57
